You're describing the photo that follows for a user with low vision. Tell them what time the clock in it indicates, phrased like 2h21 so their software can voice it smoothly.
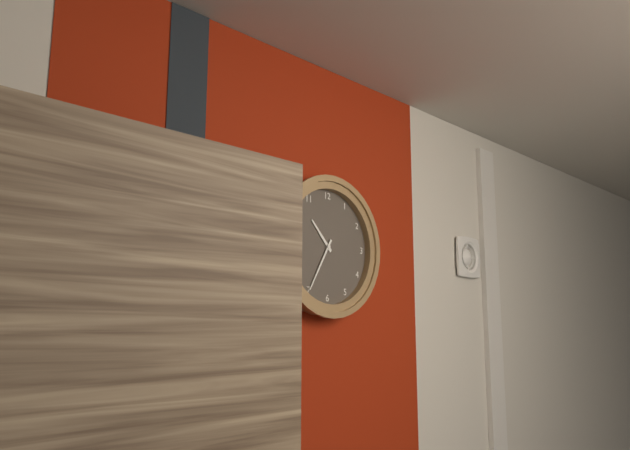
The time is 10h35
